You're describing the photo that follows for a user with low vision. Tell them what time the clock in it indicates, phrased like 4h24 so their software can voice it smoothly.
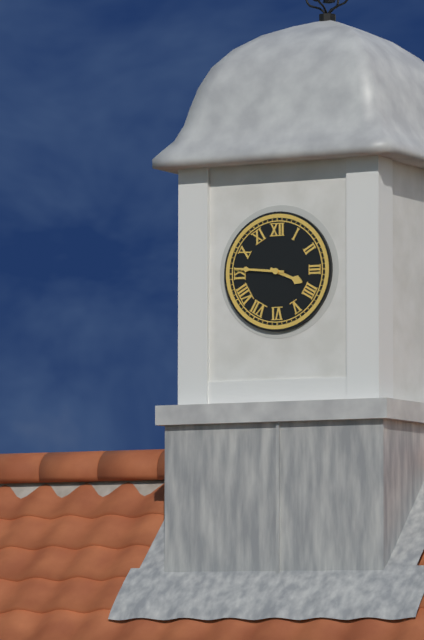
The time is 3h46
